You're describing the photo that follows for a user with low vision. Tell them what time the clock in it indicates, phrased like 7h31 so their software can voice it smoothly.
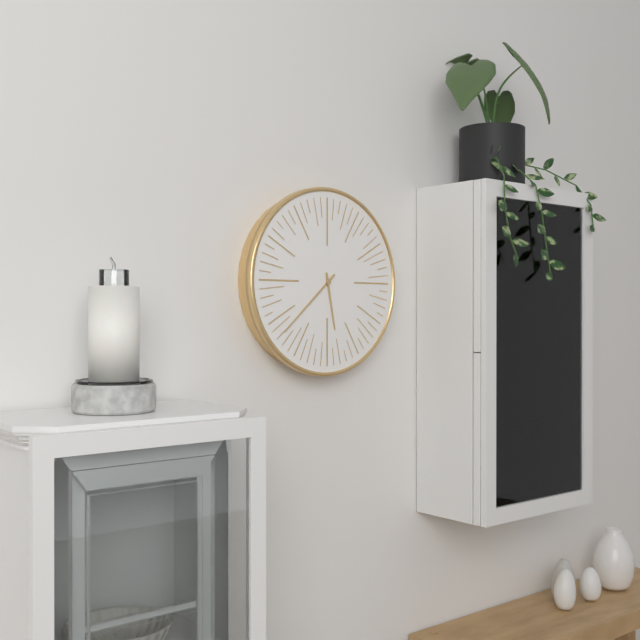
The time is 5h38
